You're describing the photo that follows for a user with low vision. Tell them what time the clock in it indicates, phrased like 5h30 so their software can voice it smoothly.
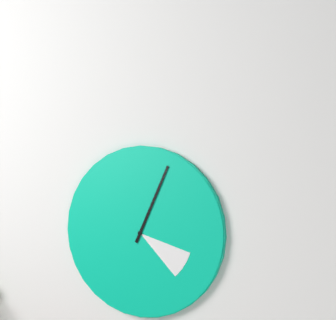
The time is 4h04
